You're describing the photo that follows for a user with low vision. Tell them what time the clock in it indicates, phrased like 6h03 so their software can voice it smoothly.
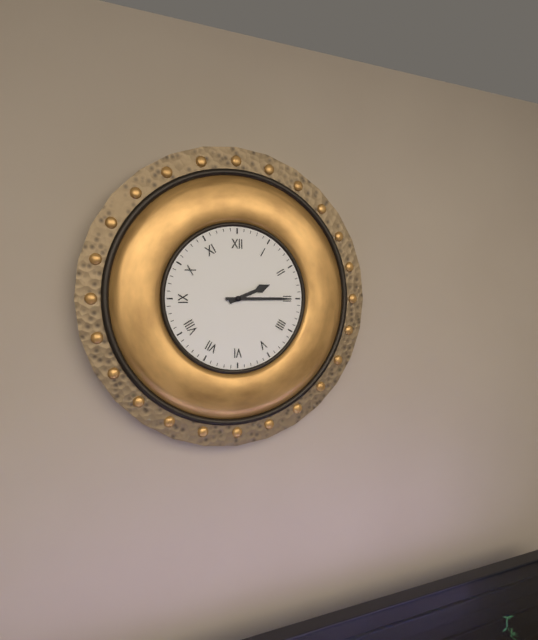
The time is 2h15
